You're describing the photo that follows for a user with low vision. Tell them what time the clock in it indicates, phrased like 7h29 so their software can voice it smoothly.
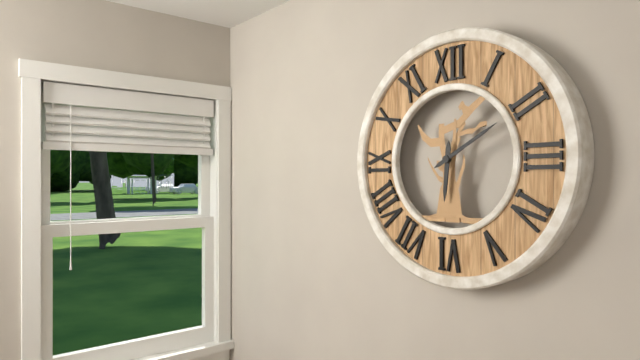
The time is 6h10
